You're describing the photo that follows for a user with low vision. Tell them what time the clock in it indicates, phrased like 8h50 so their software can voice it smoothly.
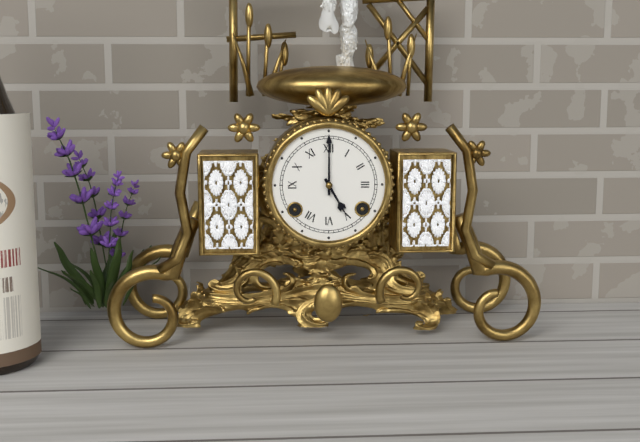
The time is 5h00
